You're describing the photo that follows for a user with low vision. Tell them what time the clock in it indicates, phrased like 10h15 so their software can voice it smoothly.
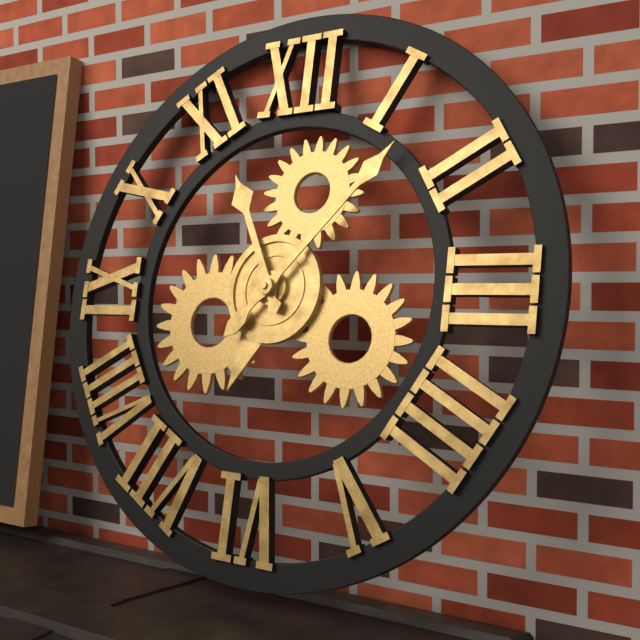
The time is 11h07
